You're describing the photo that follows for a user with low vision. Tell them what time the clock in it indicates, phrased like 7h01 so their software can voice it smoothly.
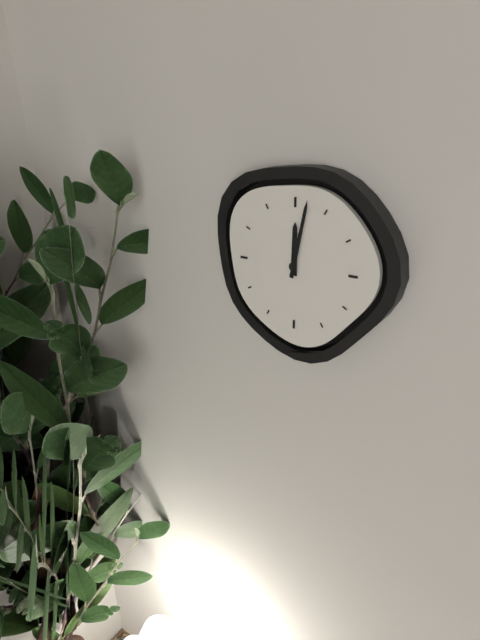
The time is 12h02
